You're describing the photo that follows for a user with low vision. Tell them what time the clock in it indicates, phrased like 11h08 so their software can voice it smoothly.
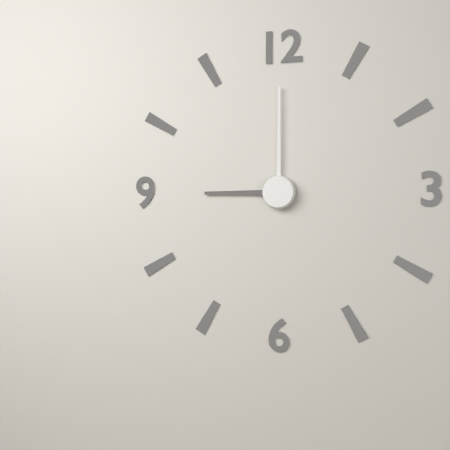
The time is 9h00
